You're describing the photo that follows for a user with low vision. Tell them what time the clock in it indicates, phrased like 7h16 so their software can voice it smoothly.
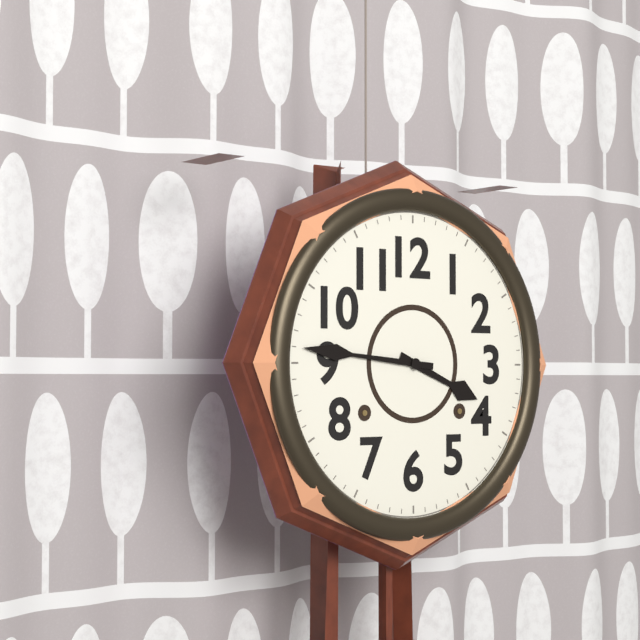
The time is 3h46
